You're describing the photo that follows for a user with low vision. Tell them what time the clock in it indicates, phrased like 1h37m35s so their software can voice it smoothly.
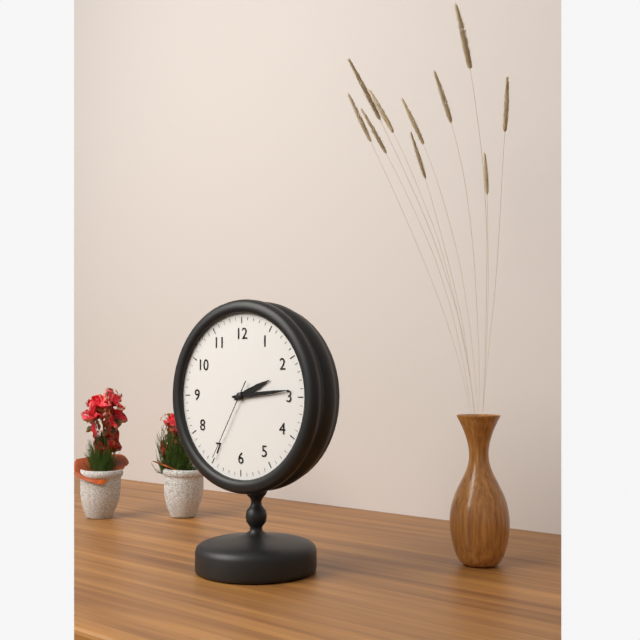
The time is 2h14m35s
